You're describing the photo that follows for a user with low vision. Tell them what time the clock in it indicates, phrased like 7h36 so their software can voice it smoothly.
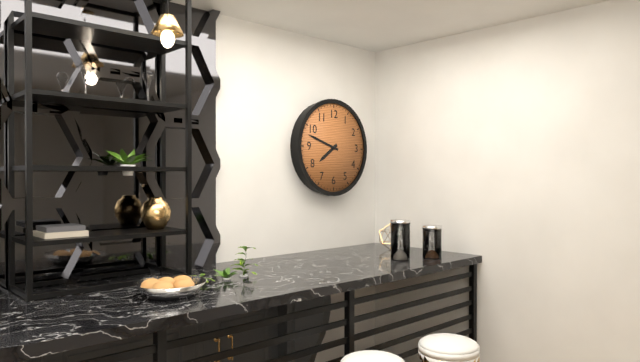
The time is 7h48
